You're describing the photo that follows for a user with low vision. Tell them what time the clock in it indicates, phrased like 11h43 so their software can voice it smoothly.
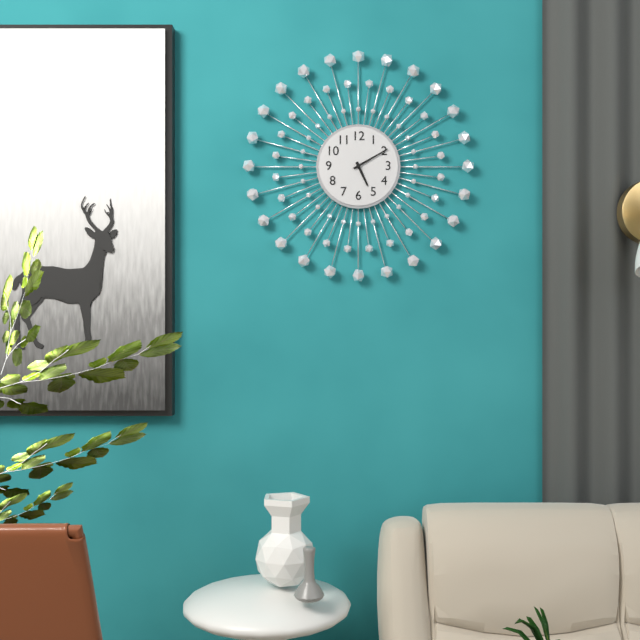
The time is 5h10
